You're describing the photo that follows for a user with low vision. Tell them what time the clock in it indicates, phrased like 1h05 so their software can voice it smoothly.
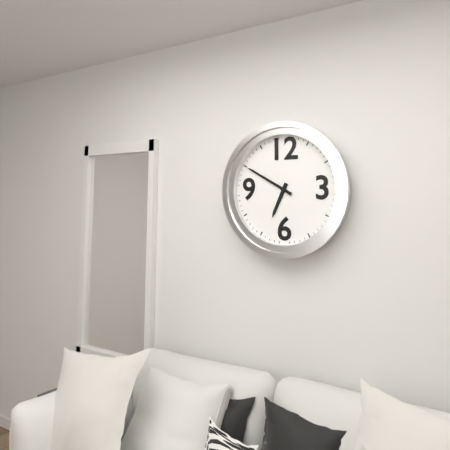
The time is 6h50
